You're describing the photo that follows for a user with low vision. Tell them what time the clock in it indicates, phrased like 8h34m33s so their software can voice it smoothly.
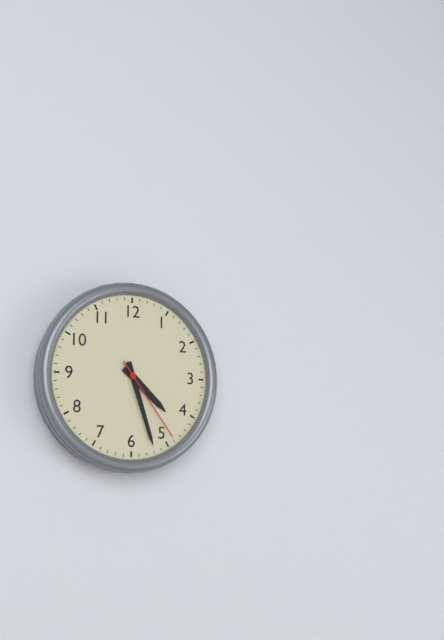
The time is 4h27m24s
